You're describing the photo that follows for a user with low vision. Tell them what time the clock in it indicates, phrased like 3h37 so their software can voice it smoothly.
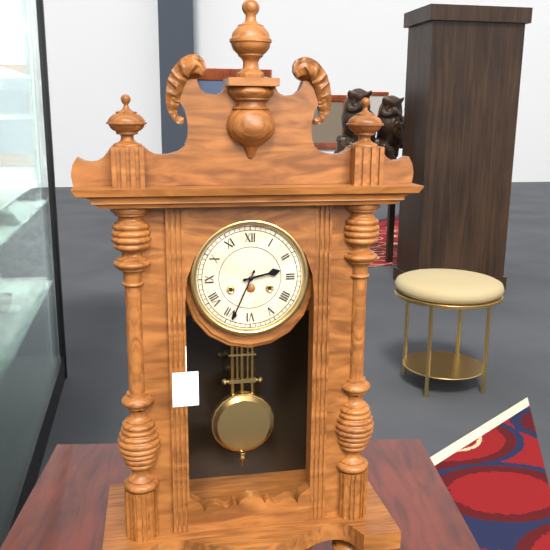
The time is 2h34
